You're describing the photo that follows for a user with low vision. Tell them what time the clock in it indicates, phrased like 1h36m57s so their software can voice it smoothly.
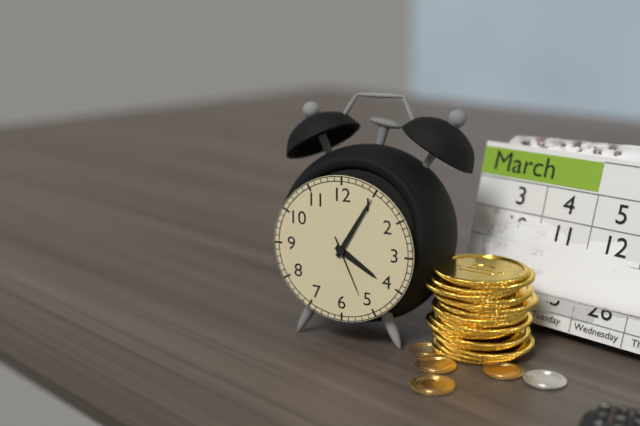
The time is 4h05m26s
